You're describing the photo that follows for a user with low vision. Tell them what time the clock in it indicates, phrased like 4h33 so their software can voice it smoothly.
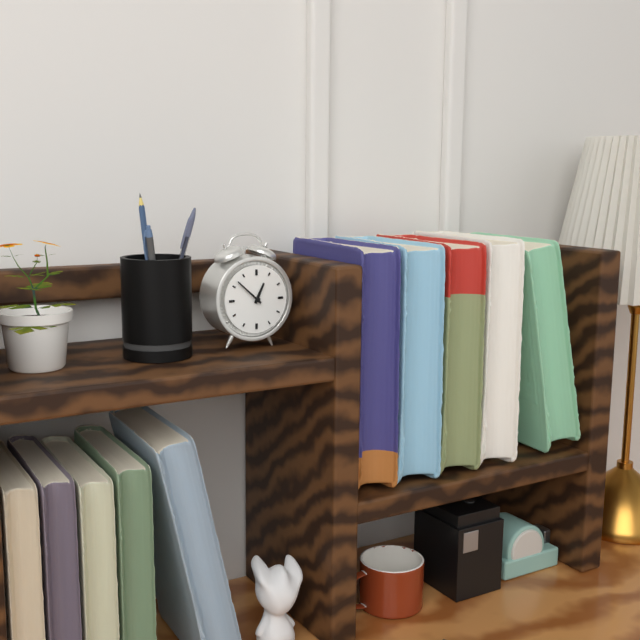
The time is 12h52
